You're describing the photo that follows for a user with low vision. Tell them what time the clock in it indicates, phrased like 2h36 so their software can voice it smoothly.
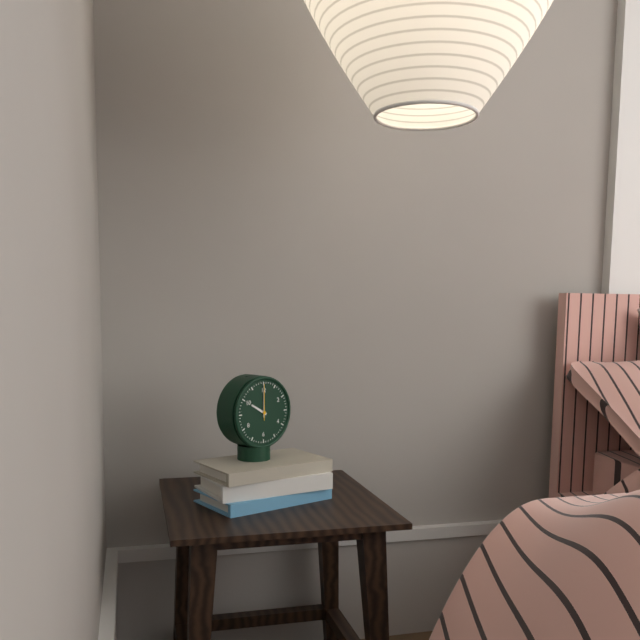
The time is 10h00
